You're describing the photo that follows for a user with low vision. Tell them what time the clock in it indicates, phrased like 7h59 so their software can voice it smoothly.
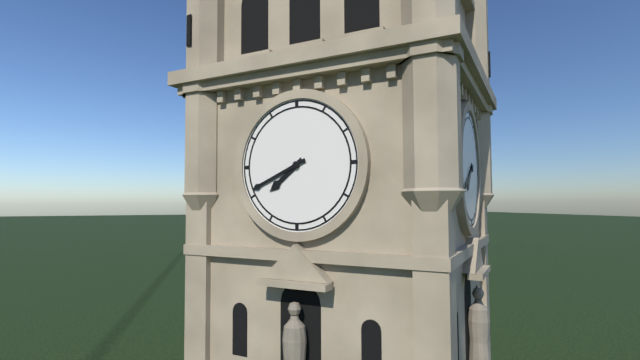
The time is 7h41
